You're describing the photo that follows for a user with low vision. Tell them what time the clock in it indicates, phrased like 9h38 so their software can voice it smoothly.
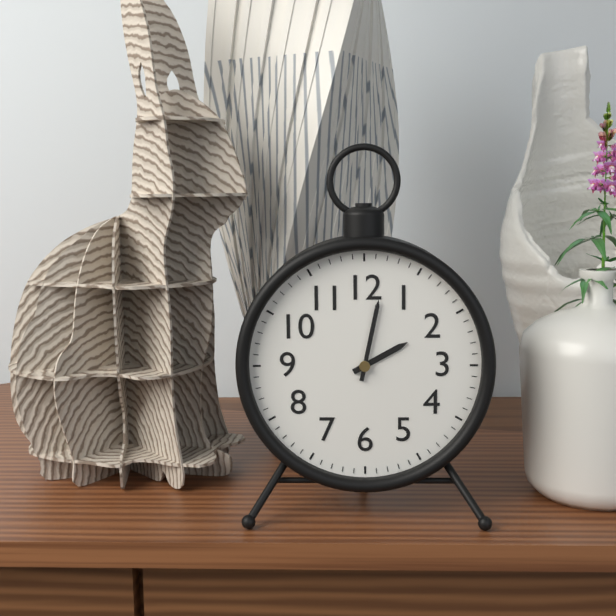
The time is 2h02
